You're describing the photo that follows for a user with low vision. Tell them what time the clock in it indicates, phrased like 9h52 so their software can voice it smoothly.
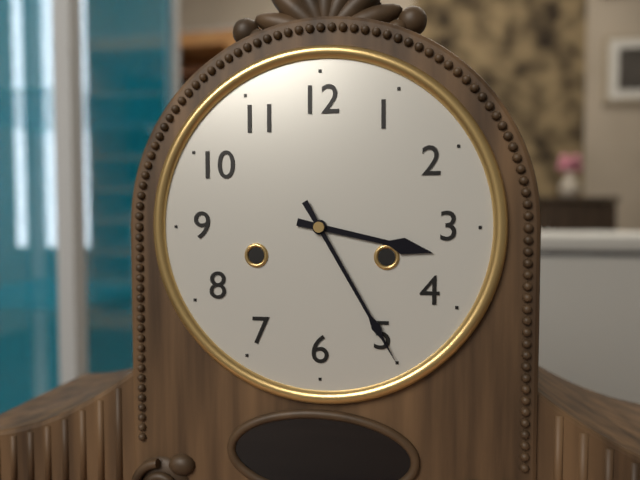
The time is 3h25
